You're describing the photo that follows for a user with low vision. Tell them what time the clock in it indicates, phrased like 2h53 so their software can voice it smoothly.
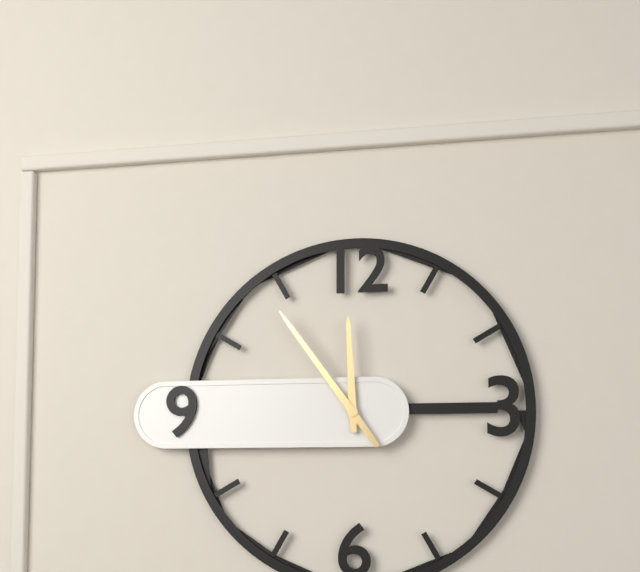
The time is 11h54
